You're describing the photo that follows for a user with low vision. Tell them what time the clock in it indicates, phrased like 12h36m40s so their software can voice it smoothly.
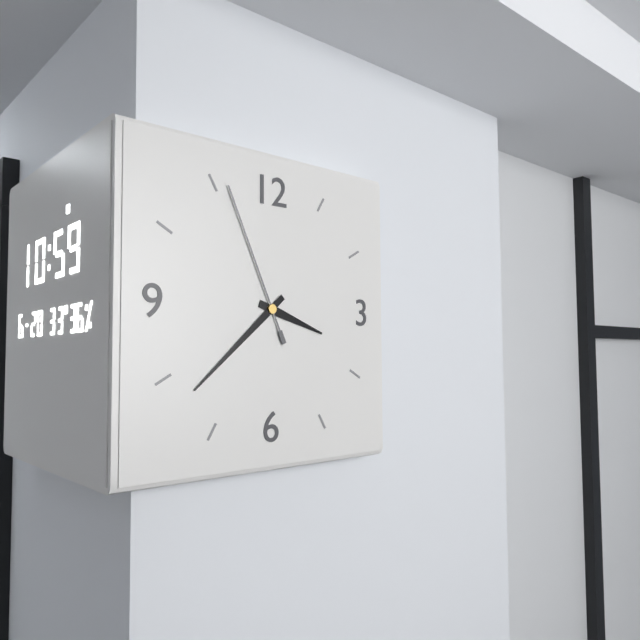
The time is 3h38m56s
